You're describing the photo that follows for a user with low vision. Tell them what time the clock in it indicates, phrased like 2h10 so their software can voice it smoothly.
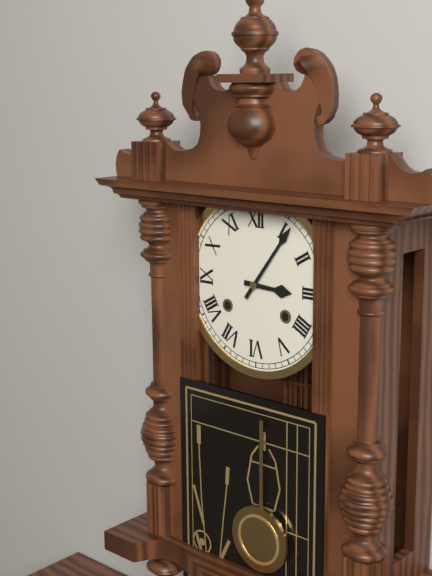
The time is 3h06
